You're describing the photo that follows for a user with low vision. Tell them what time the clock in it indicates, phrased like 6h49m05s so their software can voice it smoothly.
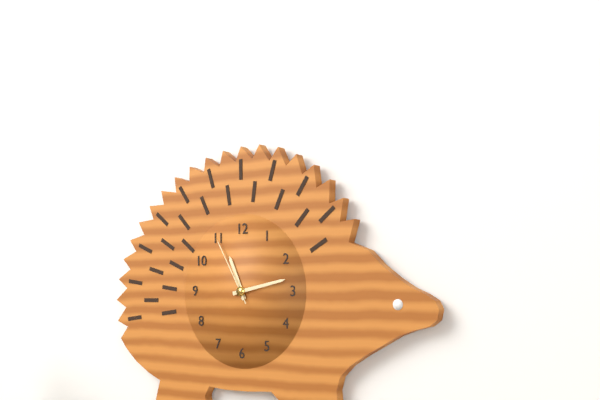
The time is 11h13m55s
